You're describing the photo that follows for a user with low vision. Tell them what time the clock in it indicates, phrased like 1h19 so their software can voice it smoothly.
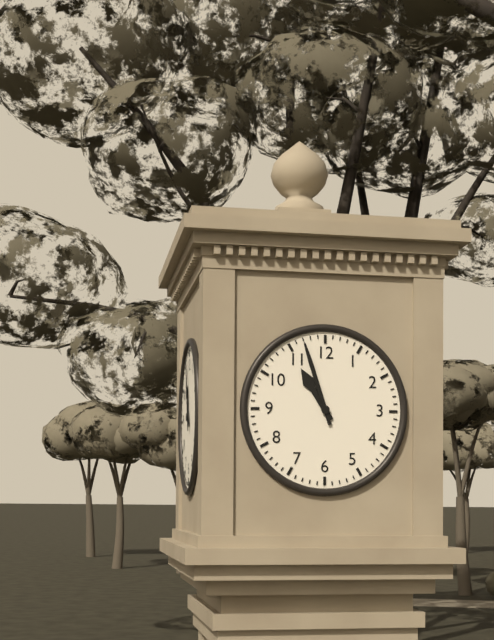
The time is 10h57
